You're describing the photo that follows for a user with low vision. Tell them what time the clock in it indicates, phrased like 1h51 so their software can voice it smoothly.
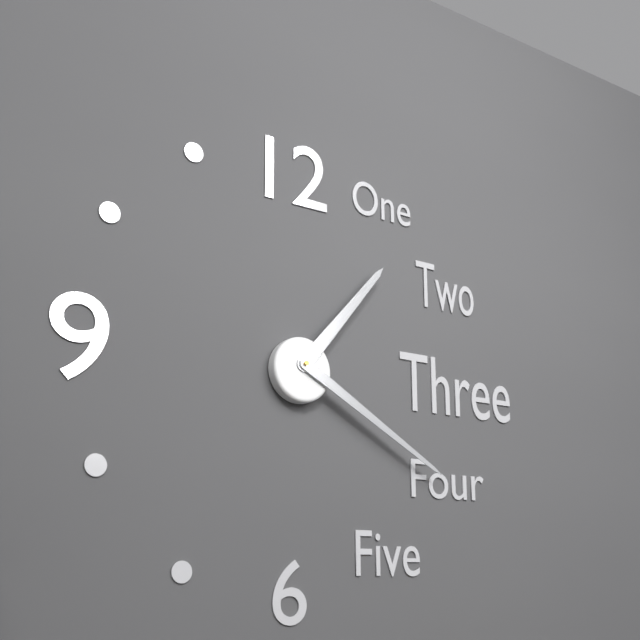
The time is 1h20
